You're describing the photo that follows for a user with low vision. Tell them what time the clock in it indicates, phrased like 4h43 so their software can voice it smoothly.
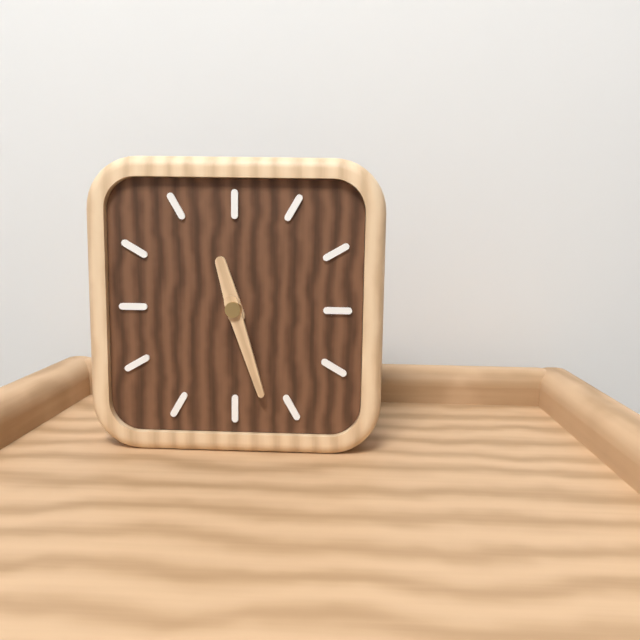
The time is 11h27
